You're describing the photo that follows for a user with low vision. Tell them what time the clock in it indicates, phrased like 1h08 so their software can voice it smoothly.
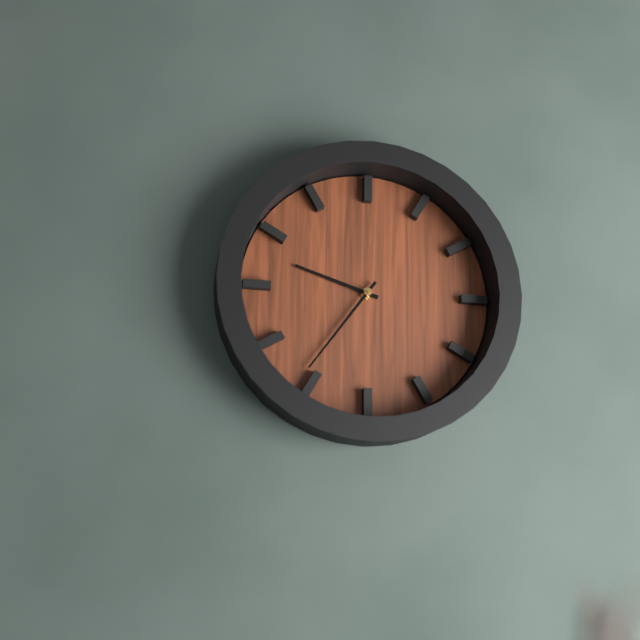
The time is 9h36
